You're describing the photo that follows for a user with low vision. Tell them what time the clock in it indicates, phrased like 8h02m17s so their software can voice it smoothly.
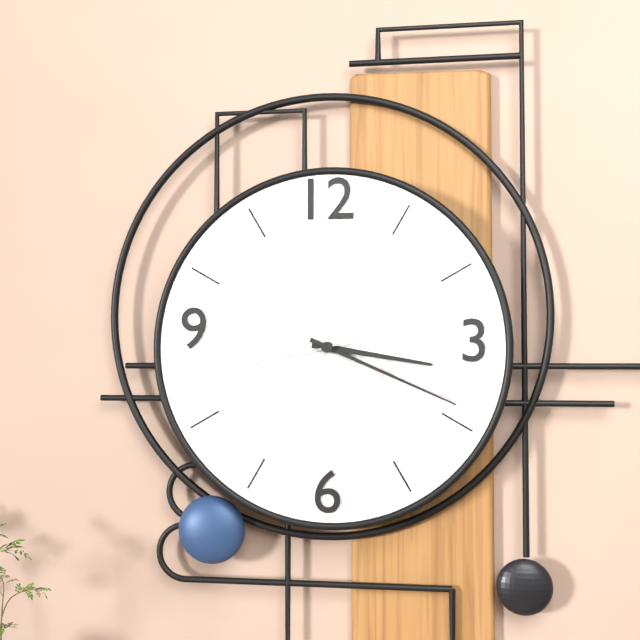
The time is 3h19m43s
